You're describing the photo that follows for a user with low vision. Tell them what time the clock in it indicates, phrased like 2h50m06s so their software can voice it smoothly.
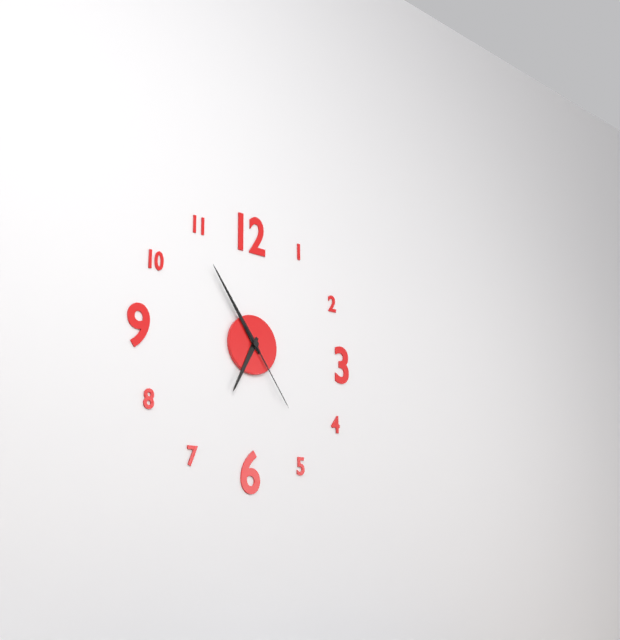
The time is 6h54m24s
